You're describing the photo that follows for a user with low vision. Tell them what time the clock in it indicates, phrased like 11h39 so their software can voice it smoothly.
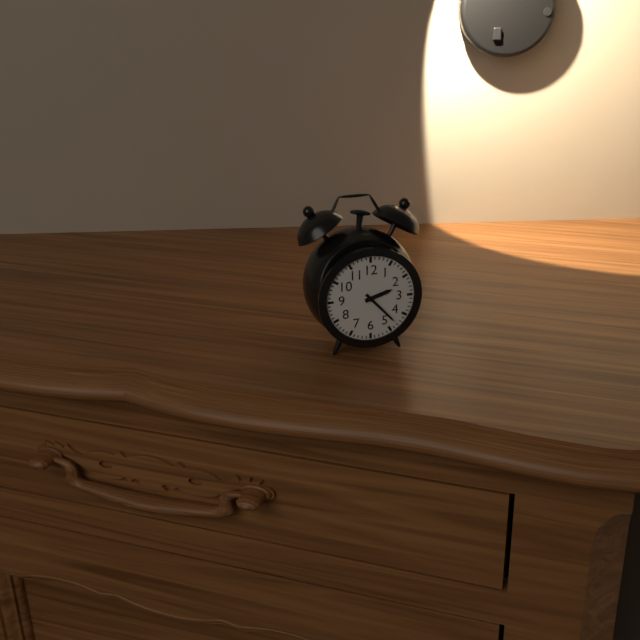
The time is 2h23
